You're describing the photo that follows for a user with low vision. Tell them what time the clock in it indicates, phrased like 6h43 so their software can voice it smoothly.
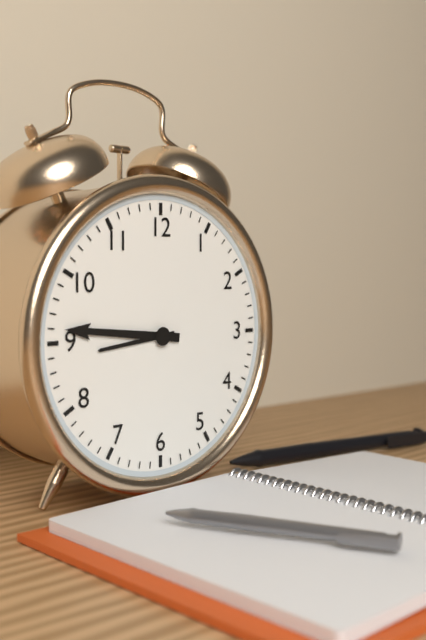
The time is 8h46
